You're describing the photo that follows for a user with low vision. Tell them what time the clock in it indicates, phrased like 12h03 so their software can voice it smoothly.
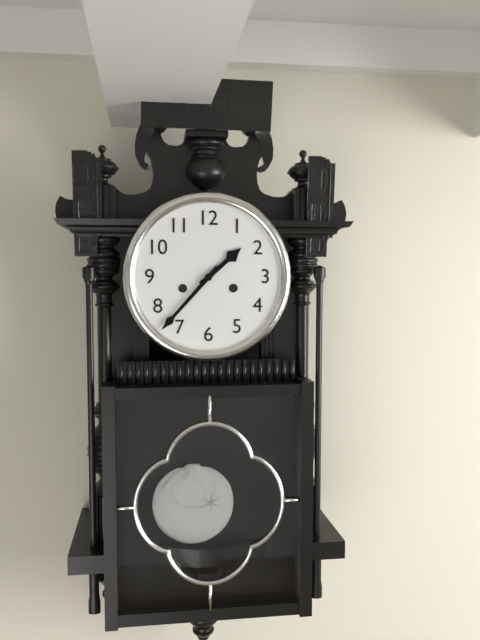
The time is 1h37
